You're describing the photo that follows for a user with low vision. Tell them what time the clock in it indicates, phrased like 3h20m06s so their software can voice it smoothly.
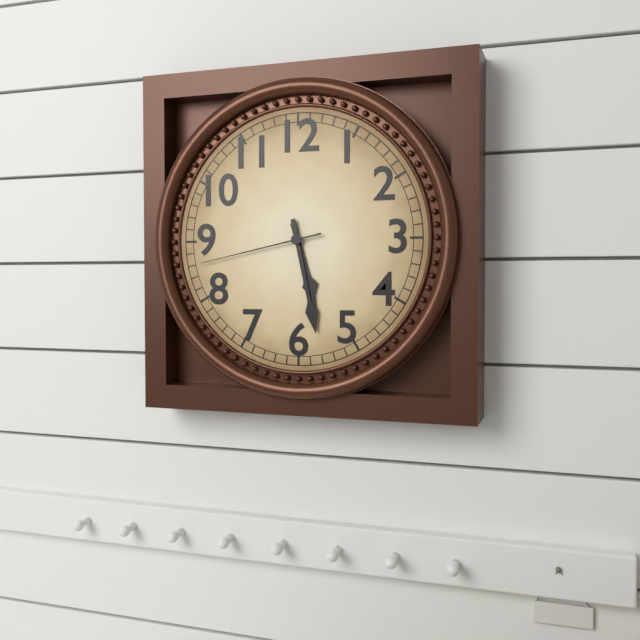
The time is 5h28m43s
